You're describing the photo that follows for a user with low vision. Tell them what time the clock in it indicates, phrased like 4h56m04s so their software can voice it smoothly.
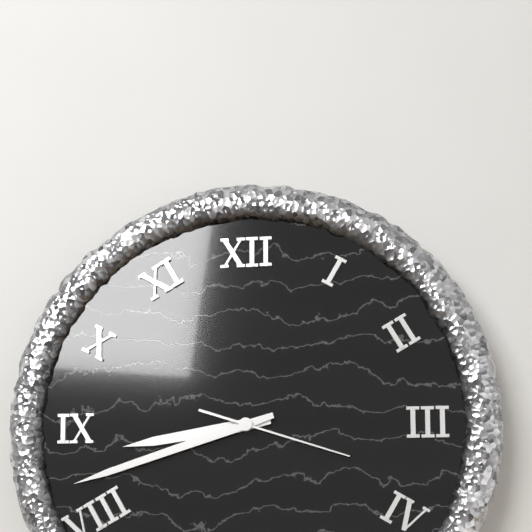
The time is 8h42m18s
